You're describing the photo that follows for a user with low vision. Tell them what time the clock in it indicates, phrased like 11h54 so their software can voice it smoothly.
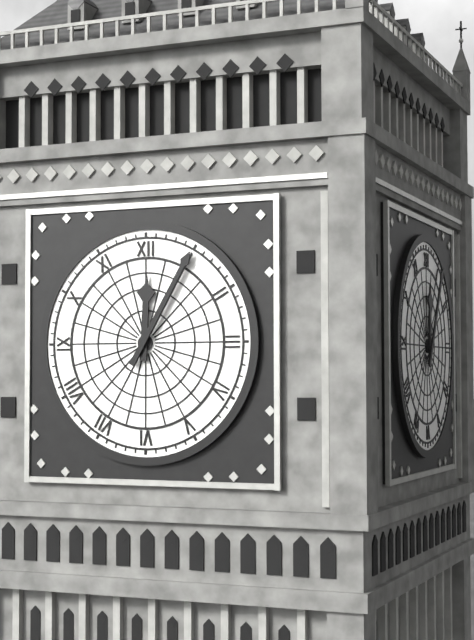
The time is 12h05
